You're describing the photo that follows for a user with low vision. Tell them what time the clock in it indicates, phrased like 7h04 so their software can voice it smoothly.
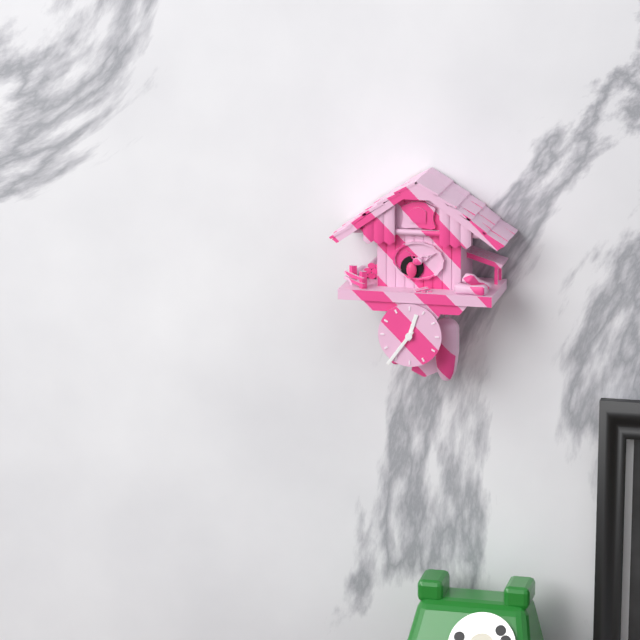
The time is 12h36
